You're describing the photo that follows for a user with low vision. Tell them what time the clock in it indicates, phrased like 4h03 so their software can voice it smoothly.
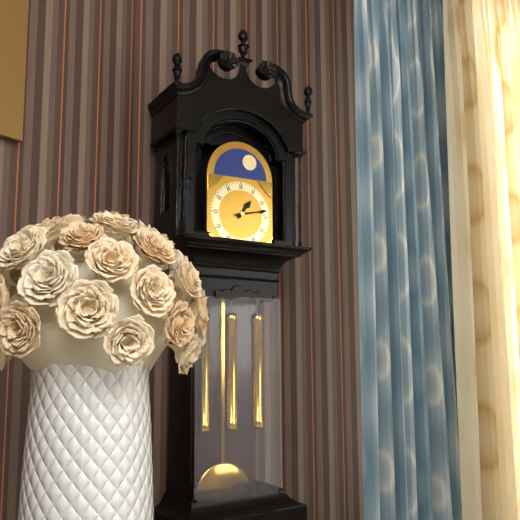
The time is 1h13
